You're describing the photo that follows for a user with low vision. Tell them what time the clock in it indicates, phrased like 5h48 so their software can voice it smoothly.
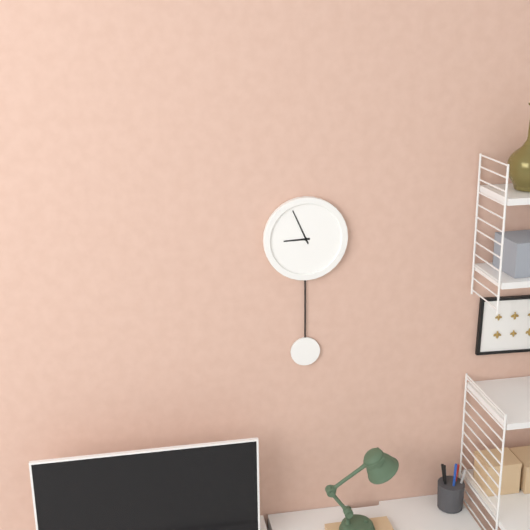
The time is 8h56
